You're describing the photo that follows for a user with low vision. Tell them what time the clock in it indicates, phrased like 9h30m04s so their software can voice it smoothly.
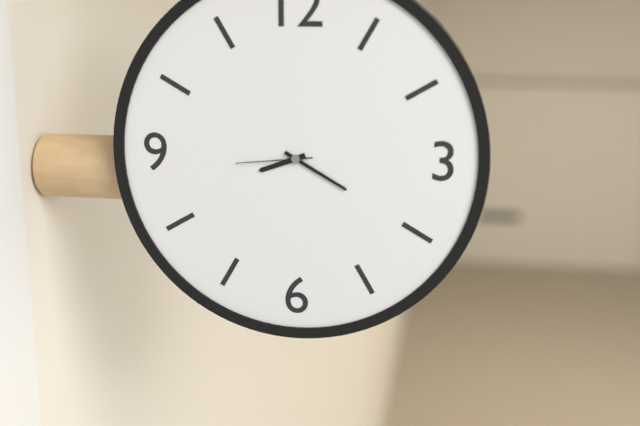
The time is 8h20m44s
